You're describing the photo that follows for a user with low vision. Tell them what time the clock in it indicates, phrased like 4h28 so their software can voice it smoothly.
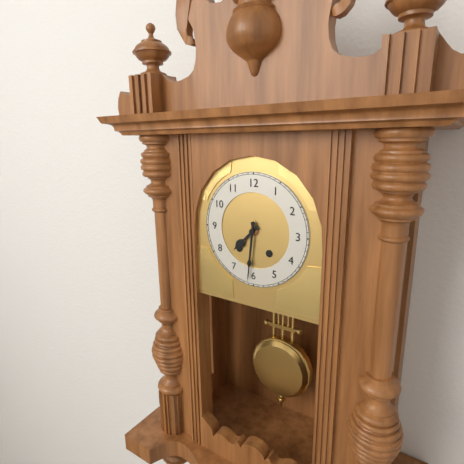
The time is 7h31
